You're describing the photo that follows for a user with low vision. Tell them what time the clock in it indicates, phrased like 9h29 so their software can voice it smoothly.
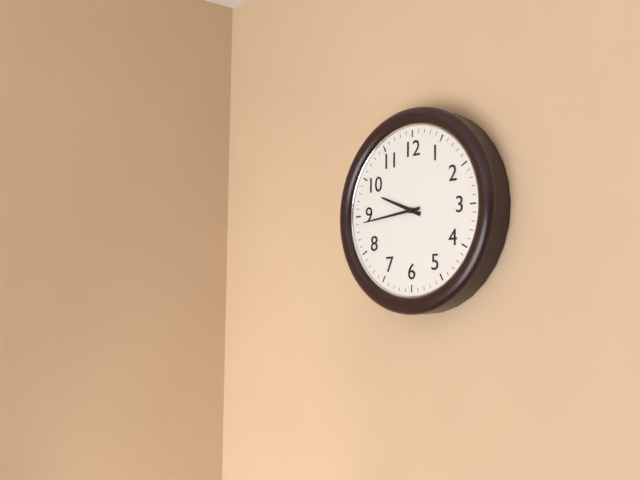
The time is 9h44
